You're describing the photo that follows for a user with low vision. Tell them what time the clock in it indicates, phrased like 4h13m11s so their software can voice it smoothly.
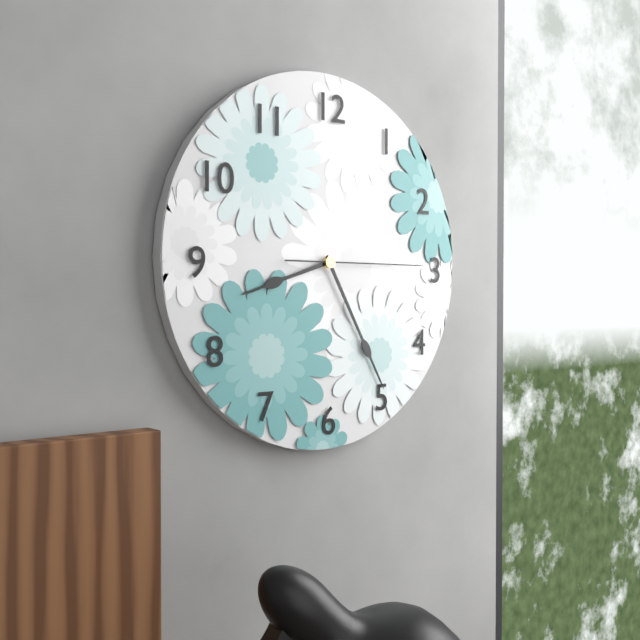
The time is 8h25m15s
